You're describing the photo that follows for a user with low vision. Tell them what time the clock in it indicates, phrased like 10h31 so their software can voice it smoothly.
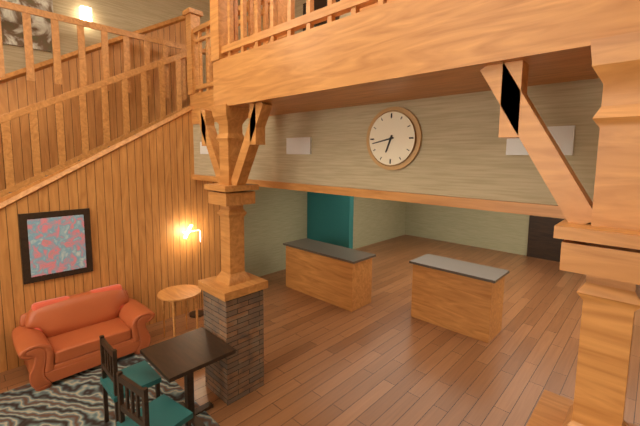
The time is 6h43
